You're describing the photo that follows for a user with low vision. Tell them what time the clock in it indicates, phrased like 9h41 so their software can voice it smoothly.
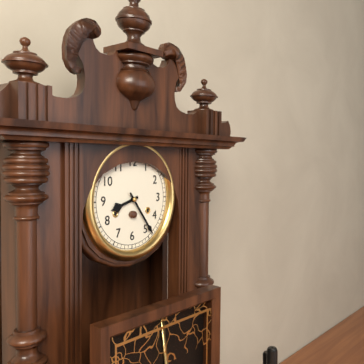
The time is 8h24
